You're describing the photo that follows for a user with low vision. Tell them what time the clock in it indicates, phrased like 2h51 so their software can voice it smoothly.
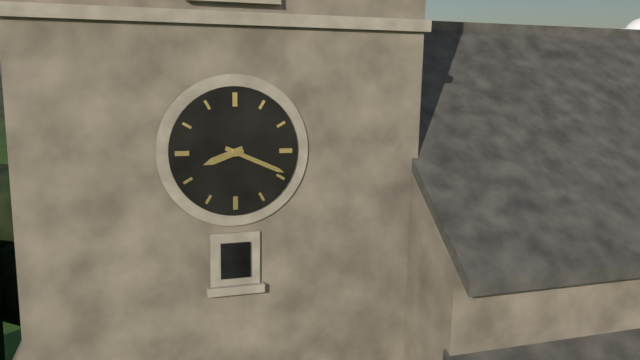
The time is 8h19
